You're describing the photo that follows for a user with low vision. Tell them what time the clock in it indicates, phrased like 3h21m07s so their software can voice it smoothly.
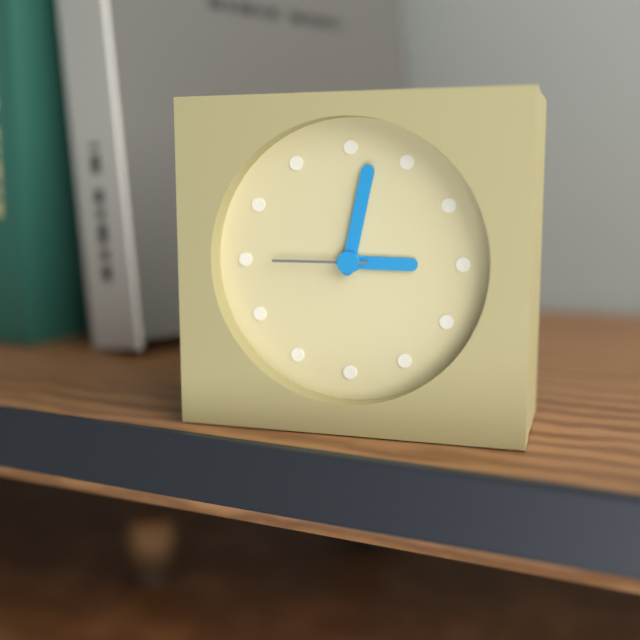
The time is 3h02m45s
